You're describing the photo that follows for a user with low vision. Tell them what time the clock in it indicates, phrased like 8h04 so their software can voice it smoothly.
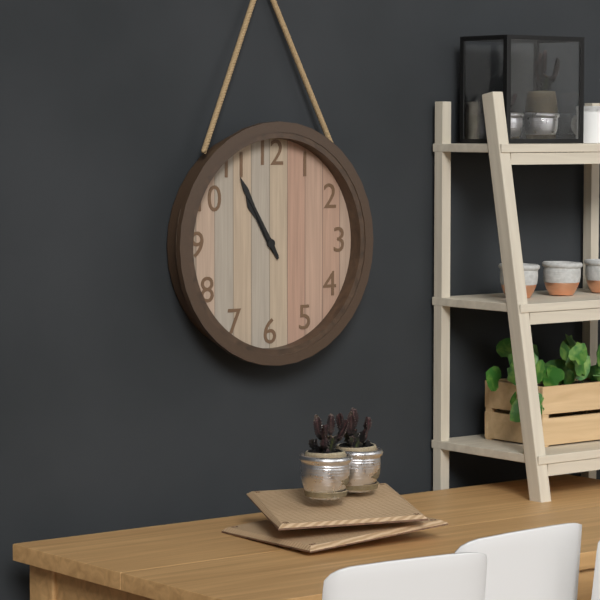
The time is 10h55
